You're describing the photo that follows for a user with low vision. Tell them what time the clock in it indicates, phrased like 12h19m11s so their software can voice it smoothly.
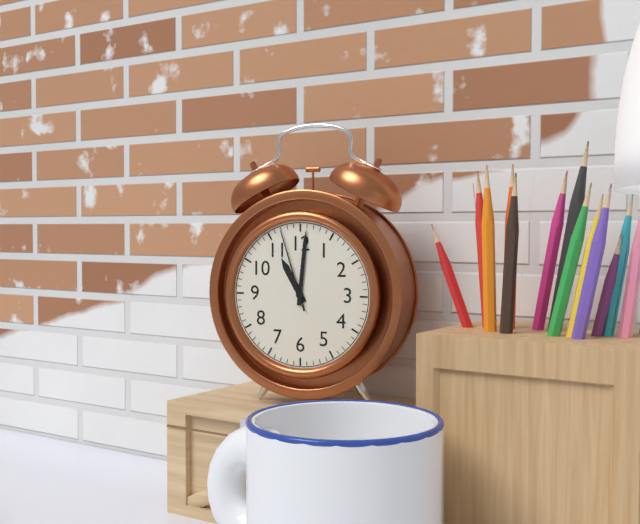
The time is 11h01m57s
